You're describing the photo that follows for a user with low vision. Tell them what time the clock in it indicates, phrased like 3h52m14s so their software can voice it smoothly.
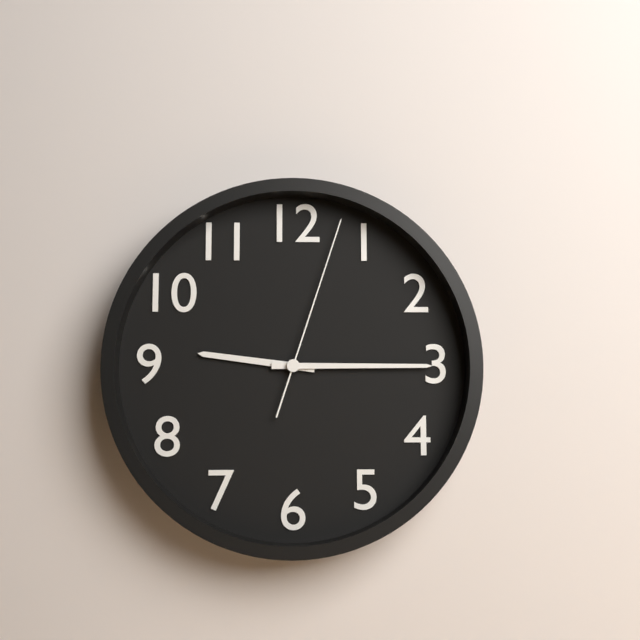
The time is 9h15m03s
